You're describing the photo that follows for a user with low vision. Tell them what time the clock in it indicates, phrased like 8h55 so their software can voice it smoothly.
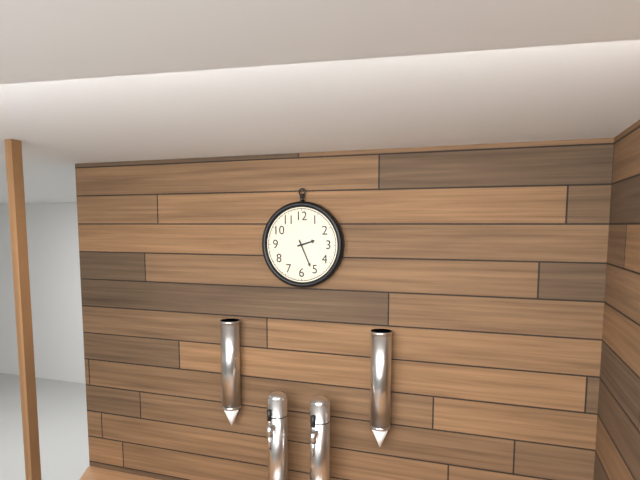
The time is 2h26
